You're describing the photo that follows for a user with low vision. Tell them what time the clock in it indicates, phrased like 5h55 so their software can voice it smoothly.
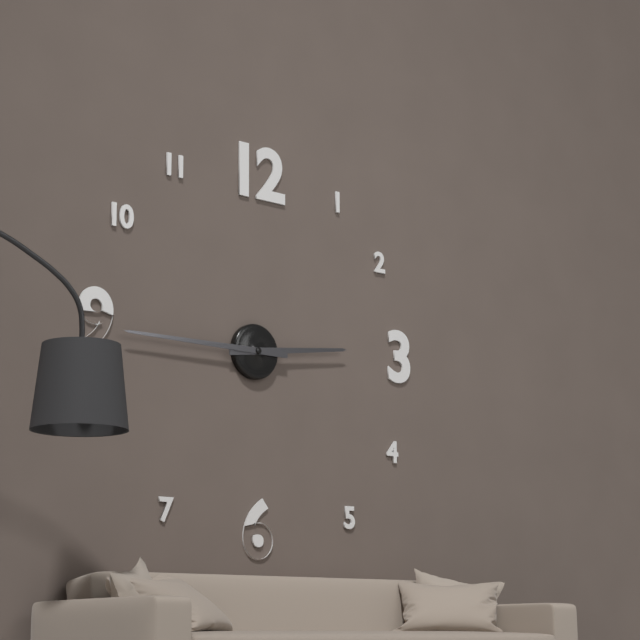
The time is 2h45
